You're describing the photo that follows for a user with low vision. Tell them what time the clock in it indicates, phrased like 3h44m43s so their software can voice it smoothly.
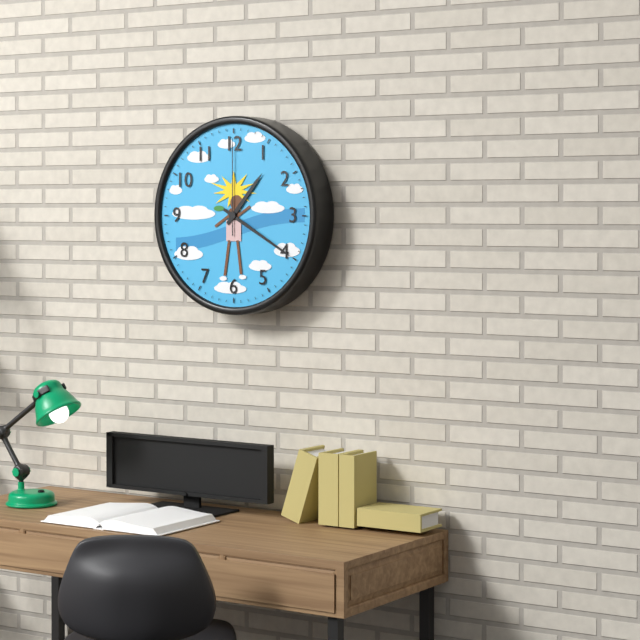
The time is 1h20m00s
